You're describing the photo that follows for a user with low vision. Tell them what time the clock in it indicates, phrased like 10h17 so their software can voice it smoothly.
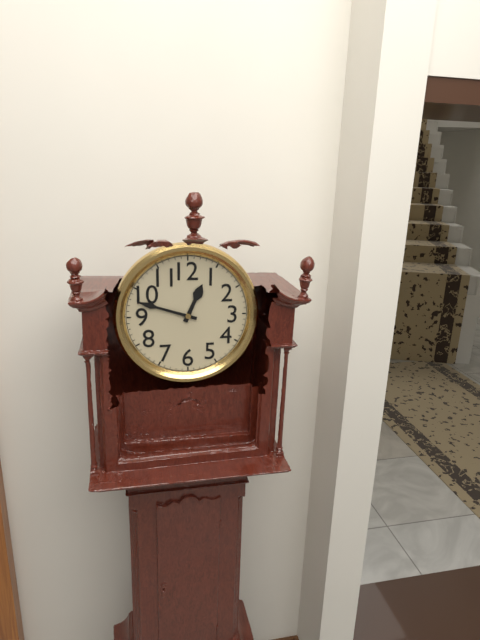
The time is 12h48
